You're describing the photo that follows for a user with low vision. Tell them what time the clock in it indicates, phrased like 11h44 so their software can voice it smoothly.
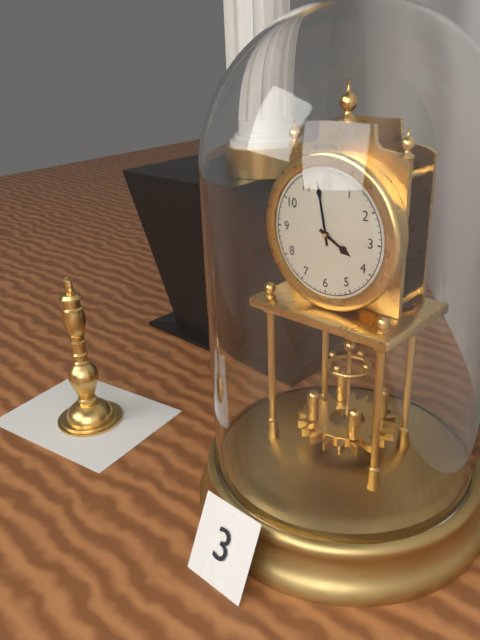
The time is 3h58
